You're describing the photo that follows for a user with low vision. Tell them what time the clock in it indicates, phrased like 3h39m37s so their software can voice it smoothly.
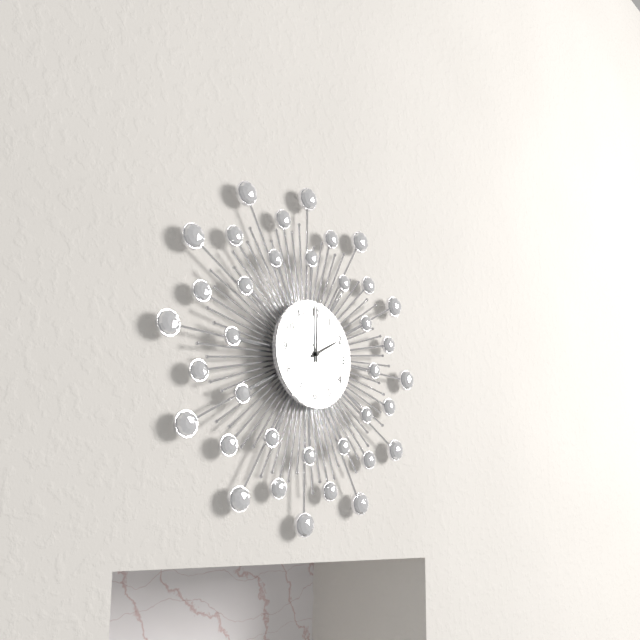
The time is 2h00m54s
